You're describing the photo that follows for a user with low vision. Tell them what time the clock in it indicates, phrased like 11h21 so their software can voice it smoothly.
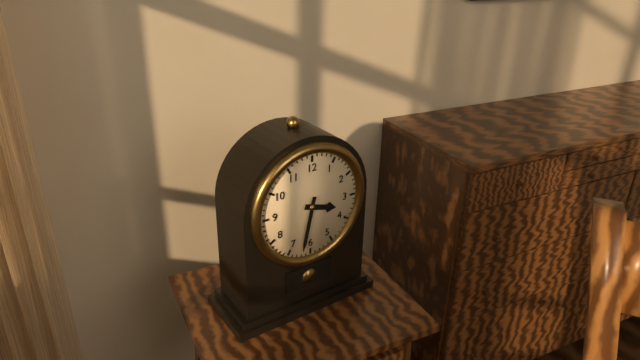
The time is 3h32
